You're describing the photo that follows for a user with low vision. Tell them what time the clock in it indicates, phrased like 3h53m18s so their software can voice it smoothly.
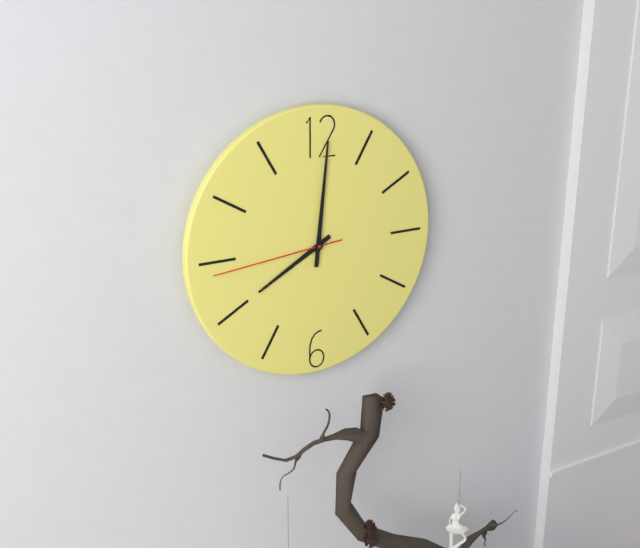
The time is 8h01m44s
